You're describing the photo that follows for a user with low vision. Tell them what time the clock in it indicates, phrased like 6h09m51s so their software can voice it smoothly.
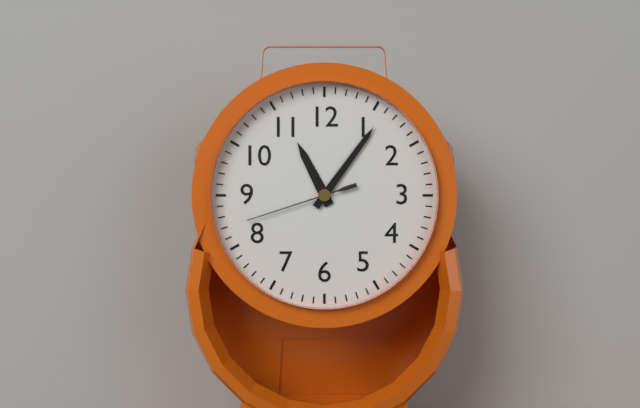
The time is 11h06m42s
